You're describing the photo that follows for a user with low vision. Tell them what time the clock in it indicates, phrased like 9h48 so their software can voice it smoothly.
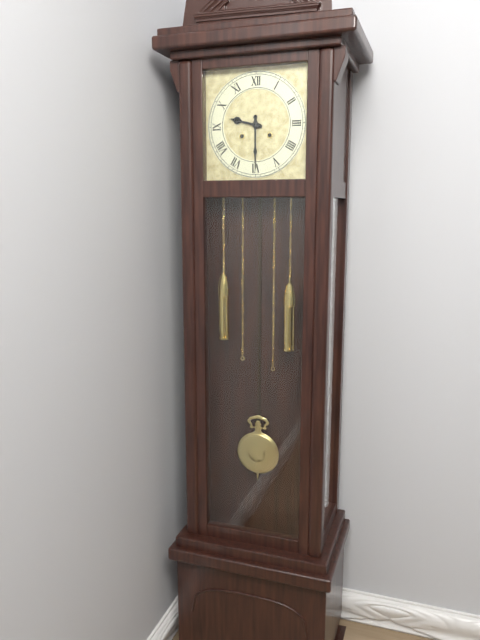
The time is 9h30
